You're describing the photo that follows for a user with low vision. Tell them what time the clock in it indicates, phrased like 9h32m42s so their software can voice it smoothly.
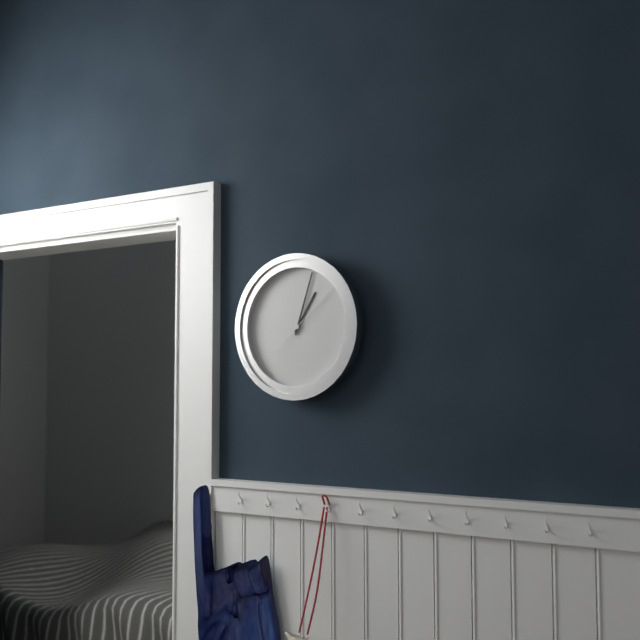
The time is 1h03m08s
